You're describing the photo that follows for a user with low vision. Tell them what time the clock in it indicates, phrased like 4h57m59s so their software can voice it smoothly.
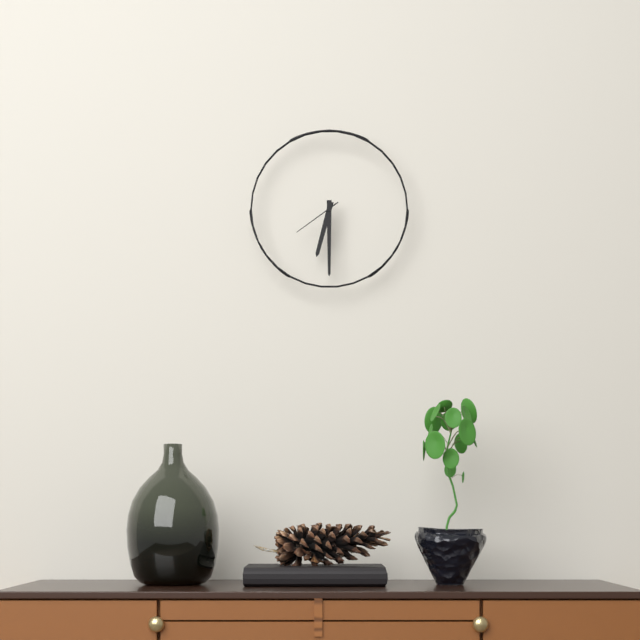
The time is 6h30m39s
